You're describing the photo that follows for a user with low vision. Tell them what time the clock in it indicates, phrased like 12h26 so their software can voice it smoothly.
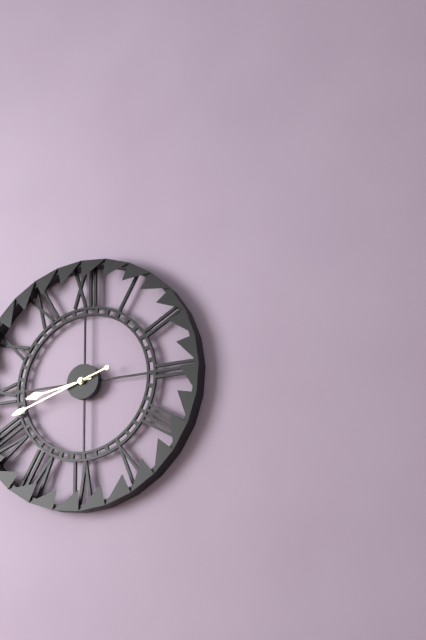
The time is 8h42
